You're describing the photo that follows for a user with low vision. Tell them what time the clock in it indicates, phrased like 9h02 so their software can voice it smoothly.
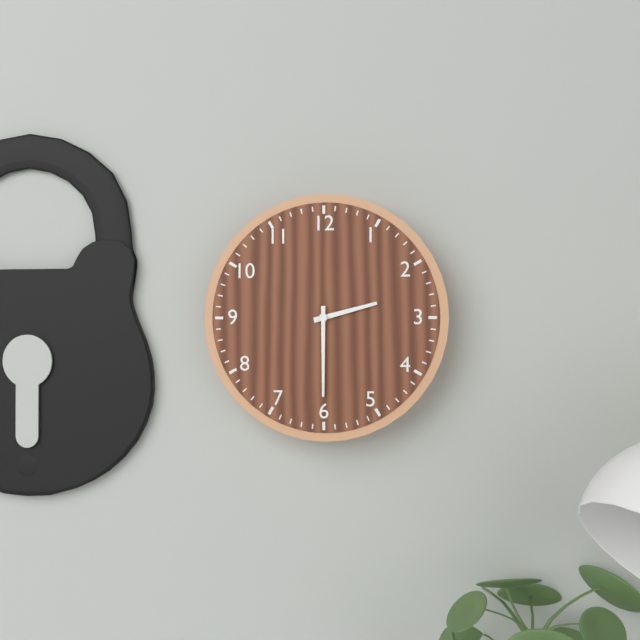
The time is 2h30
